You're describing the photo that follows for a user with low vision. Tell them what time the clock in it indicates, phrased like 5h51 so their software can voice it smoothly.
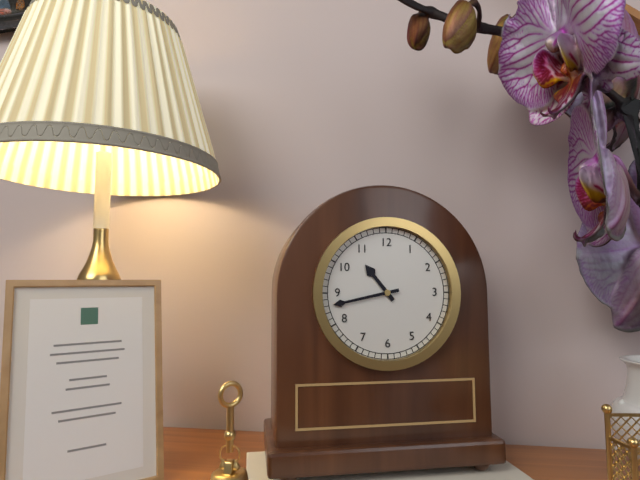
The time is 10h43
